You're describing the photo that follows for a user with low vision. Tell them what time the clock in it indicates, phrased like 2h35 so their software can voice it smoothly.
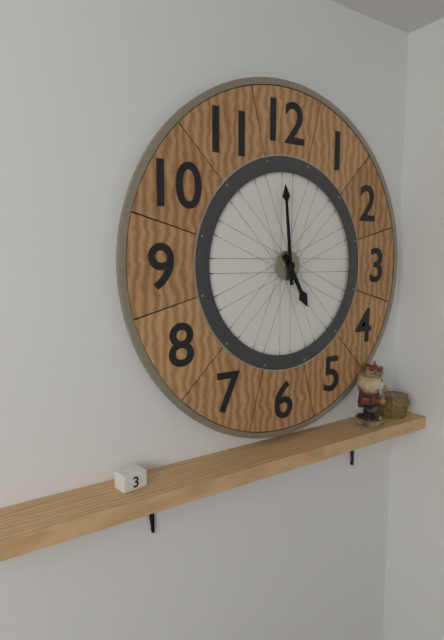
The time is 4h59
